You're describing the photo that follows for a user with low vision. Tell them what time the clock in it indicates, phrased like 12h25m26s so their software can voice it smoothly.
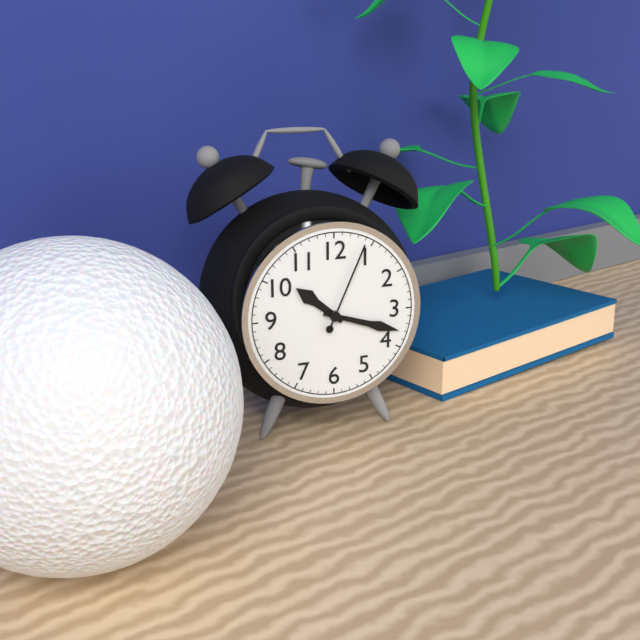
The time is 10h18m04s
